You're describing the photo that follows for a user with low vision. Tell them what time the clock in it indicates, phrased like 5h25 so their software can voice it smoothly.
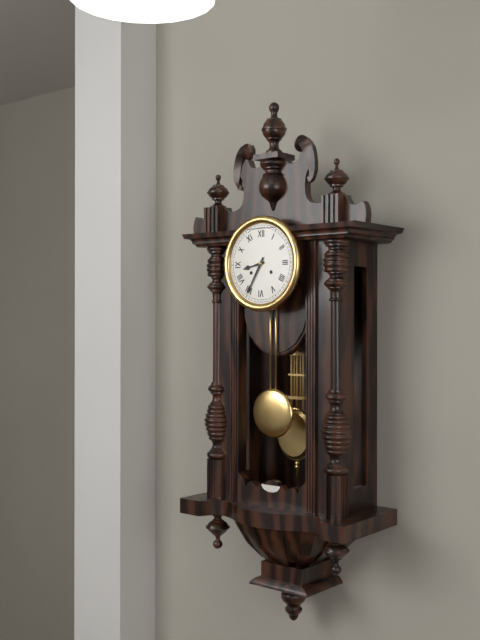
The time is 8h35
